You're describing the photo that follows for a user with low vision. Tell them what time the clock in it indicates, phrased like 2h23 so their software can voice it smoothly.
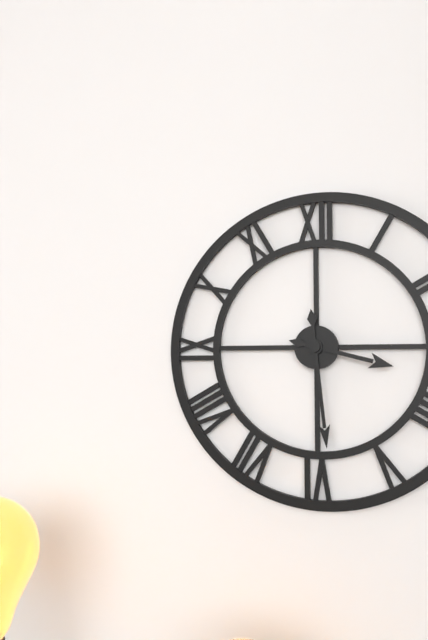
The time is 3h29
